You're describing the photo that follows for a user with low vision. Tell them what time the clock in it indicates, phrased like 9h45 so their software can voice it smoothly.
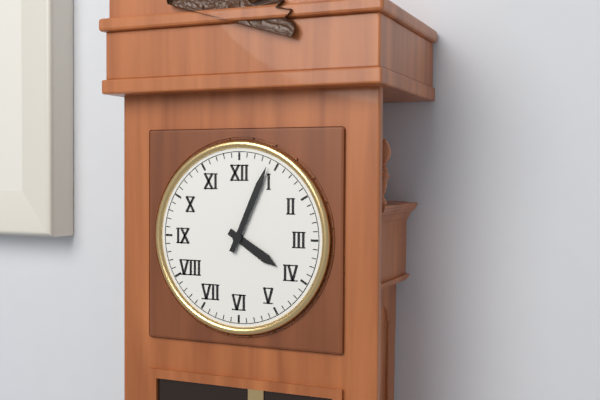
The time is 4h04
